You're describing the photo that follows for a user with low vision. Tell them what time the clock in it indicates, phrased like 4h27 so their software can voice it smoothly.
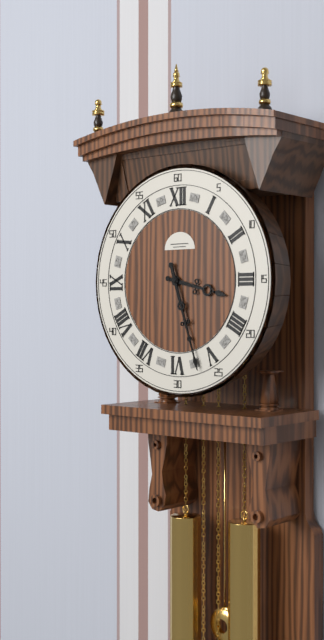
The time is 3h27
